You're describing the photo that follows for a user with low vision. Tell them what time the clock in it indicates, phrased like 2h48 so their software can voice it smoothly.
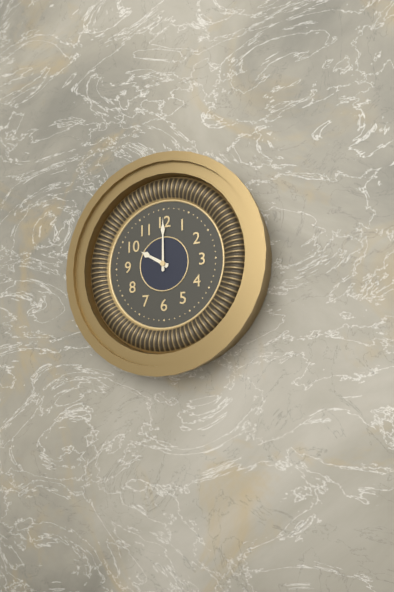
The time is 10h00
